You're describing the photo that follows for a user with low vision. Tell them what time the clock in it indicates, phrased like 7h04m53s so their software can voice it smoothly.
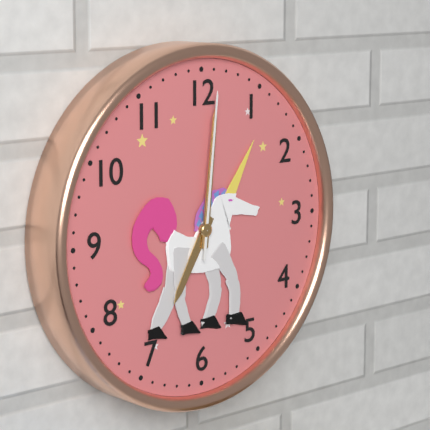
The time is 7h01m01s
